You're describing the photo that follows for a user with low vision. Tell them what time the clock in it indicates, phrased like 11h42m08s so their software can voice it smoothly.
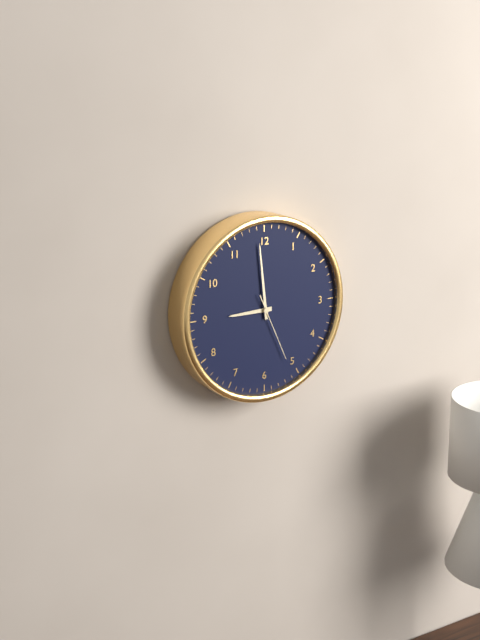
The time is 8h59m26s
